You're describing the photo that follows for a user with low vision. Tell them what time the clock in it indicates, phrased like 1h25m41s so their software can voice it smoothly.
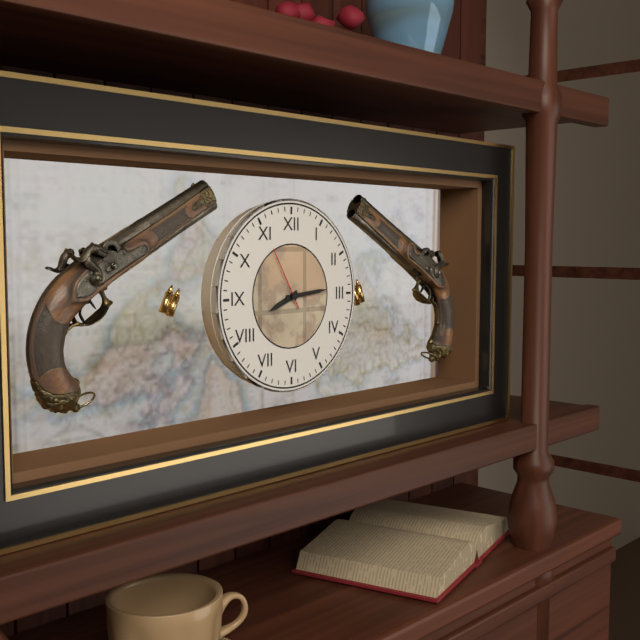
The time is 8h14m55s
